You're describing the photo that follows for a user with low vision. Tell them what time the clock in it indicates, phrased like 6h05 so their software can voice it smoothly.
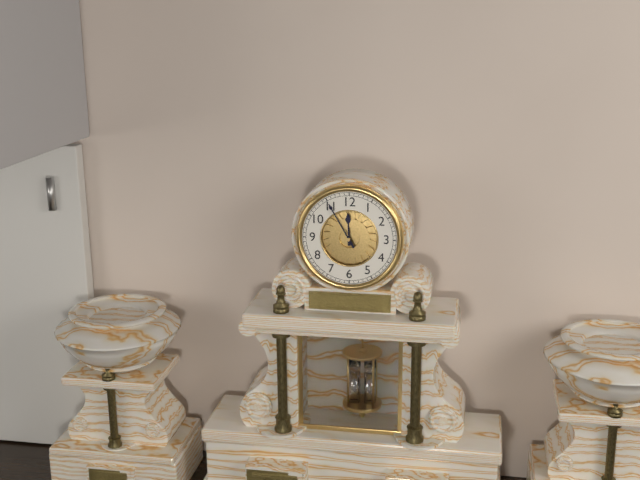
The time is 11h55
